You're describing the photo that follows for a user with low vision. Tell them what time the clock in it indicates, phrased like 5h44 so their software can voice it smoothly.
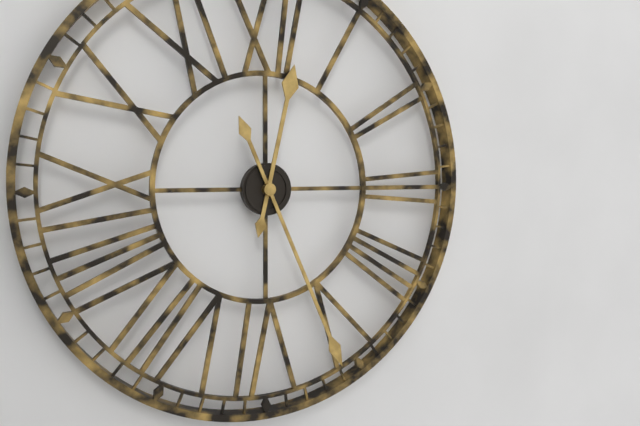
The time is 12h26
